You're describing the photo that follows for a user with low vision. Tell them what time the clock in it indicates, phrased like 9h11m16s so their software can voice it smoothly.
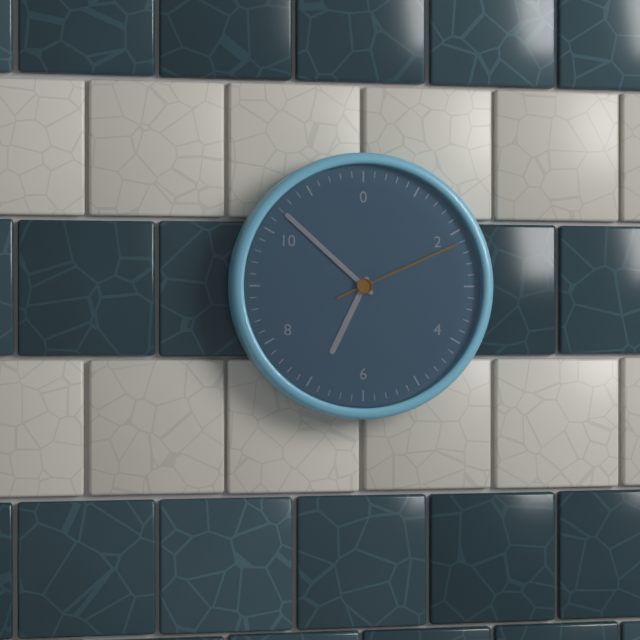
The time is 6h52m11s
